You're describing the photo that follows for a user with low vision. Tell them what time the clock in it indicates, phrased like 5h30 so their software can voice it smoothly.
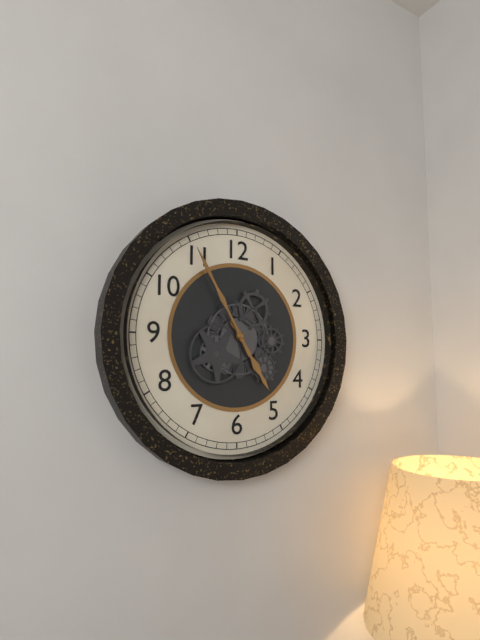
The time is 4h55
